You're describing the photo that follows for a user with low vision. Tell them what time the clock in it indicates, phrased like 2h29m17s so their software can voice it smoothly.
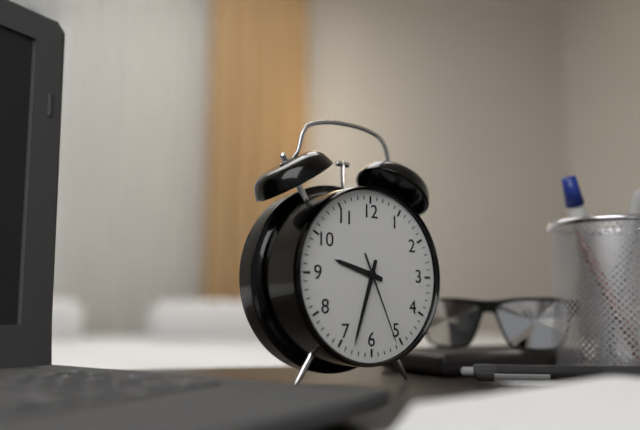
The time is 9h33m26s
